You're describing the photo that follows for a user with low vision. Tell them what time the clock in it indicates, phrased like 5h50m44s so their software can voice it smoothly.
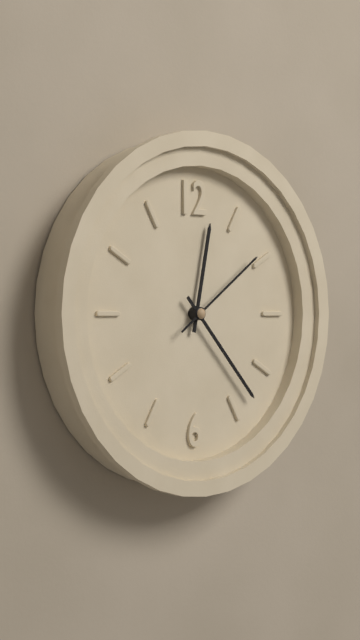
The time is 12h23m09s
